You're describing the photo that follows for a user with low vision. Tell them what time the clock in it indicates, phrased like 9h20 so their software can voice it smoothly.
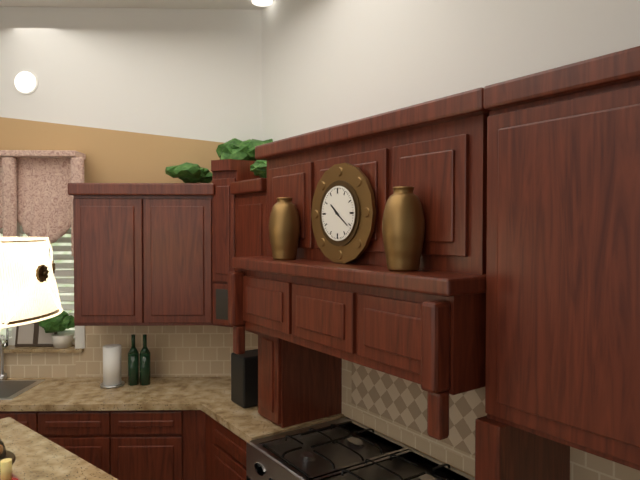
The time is 10h21
